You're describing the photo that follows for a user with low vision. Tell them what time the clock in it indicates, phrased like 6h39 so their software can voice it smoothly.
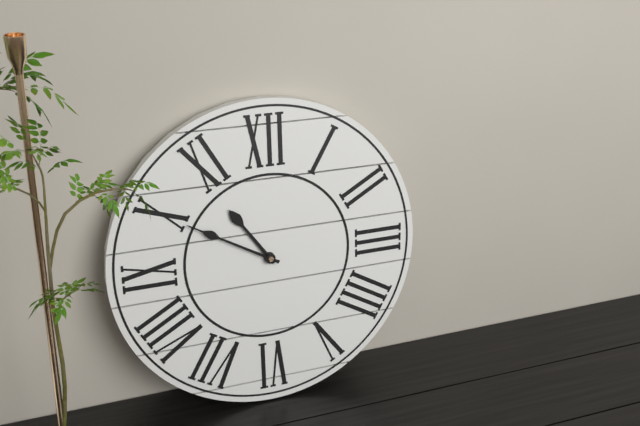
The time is 10h50
